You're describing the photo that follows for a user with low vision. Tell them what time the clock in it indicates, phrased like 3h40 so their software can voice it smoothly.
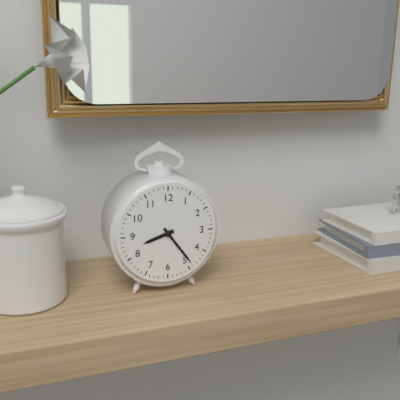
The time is 8h24
